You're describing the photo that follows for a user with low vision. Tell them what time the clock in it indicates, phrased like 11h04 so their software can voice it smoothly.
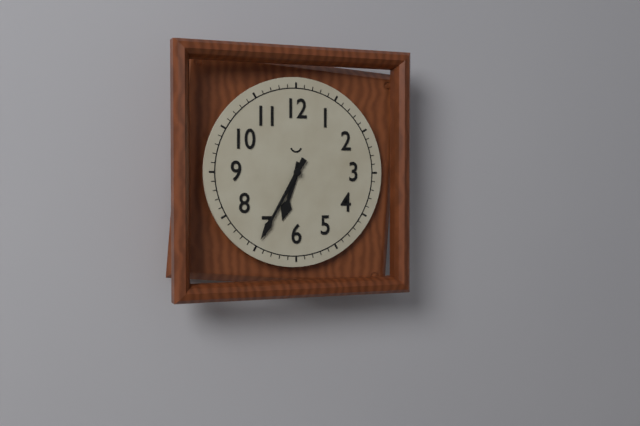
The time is 6h35
